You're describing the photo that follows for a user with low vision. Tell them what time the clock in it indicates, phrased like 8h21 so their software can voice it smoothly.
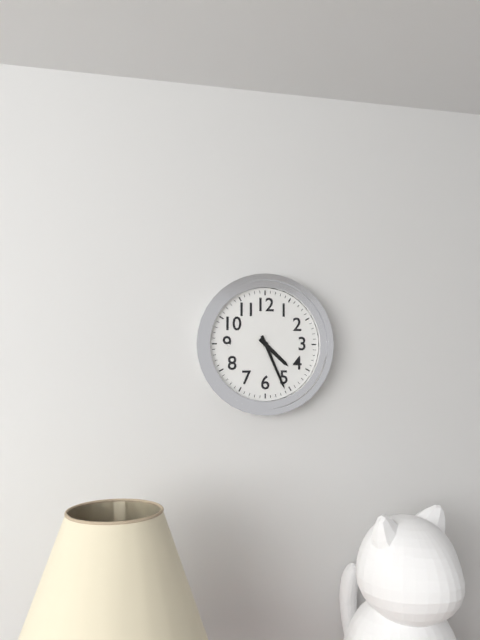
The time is 4h26
